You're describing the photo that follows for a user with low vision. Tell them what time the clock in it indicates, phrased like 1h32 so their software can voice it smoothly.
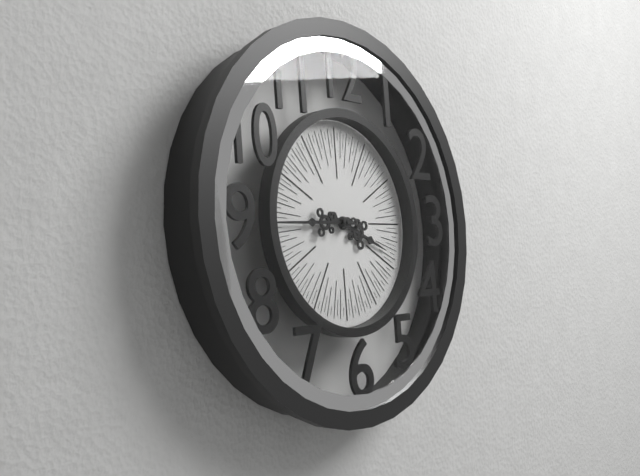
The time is 3h45
